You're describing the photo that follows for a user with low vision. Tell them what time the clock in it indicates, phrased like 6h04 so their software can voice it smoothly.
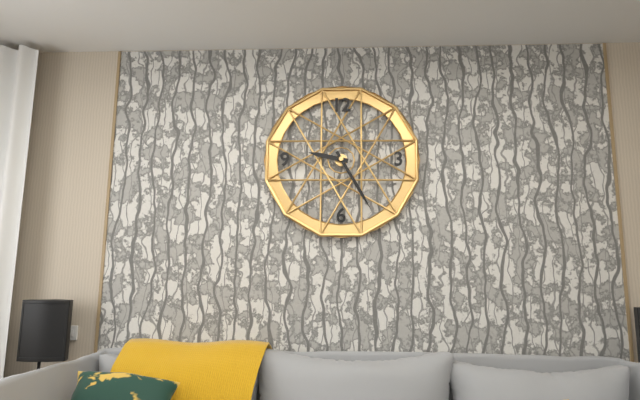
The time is 9h25
